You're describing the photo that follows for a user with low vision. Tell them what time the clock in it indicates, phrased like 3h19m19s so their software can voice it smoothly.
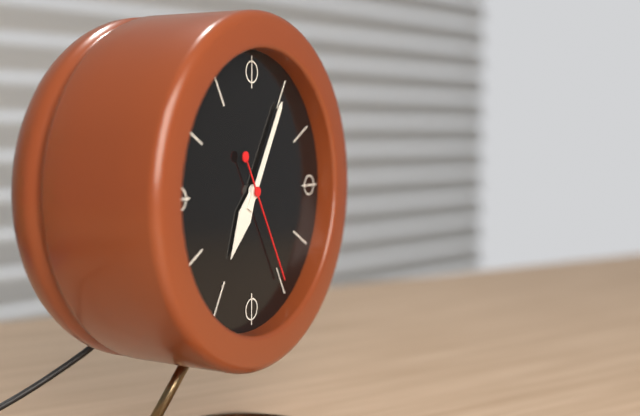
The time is 7h05m25s
